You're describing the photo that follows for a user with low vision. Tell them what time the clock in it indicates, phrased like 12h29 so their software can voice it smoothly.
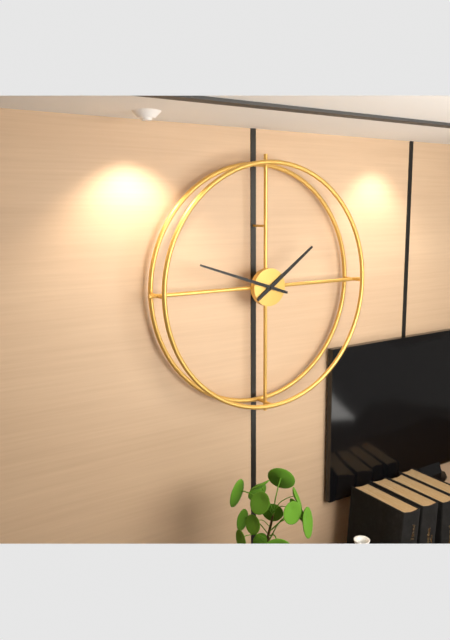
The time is 1h48
